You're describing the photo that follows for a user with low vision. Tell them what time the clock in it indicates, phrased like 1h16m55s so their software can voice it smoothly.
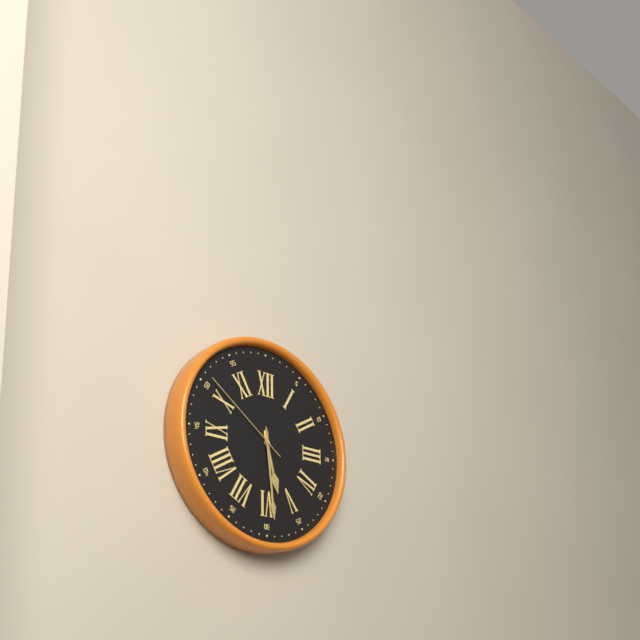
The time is 5h29m51s
